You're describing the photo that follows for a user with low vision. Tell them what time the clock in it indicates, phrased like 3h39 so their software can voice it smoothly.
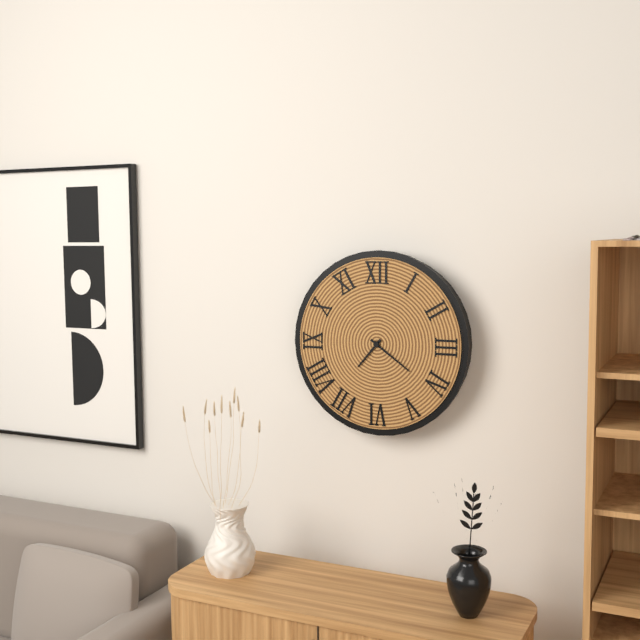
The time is 7h21
